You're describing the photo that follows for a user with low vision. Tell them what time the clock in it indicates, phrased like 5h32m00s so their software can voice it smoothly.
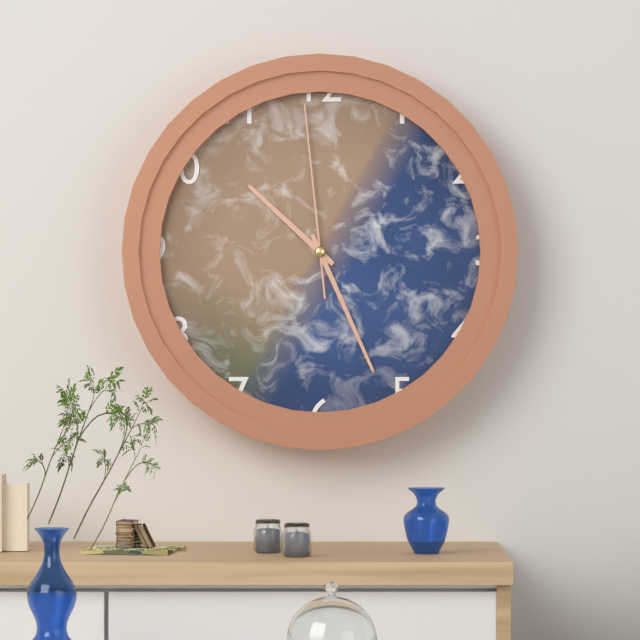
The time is 10h26m59s
